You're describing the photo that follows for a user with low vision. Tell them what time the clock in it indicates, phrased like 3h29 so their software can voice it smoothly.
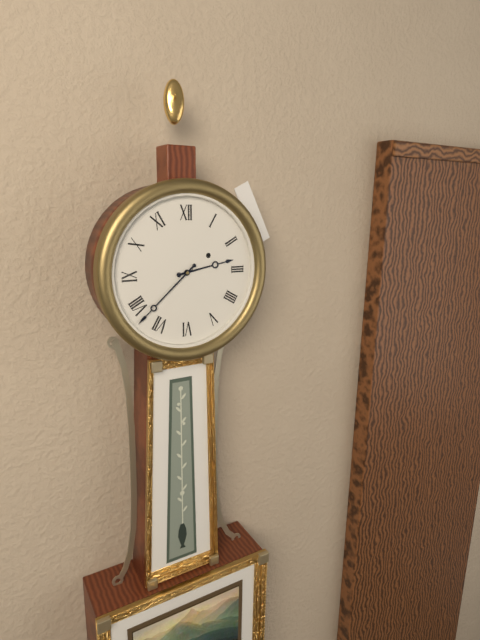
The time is 2h38
